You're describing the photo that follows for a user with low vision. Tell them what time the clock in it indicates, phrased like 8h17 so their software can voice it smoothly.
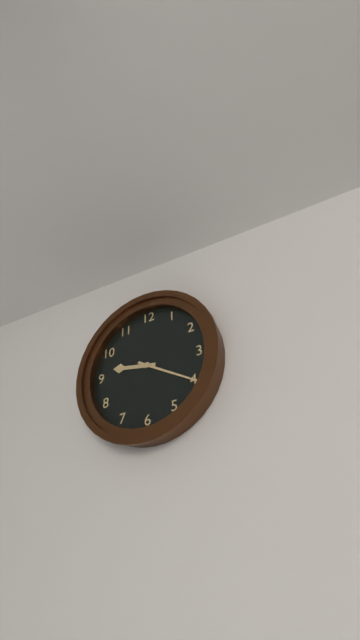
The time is 9h20
